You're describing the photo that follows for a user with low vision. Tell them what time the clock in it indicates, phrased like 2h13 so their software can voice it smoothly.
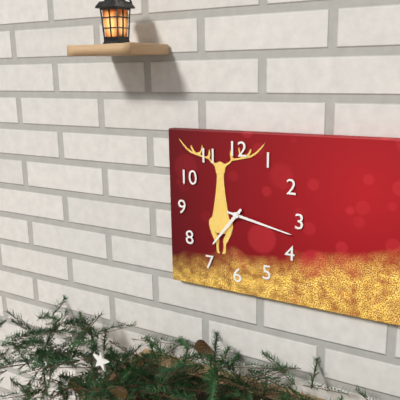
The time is 7h17
